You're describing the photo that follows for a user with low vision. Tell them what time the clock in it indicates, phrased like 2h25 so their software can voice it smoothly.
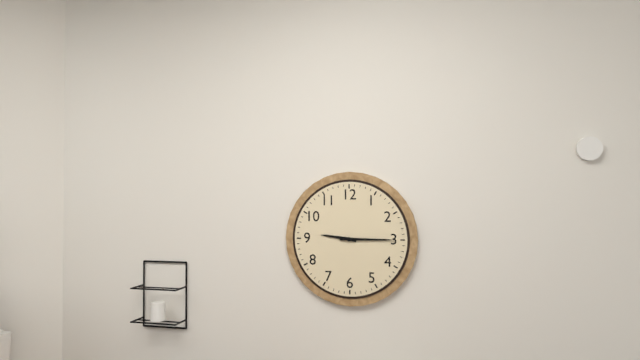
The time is 9h15
